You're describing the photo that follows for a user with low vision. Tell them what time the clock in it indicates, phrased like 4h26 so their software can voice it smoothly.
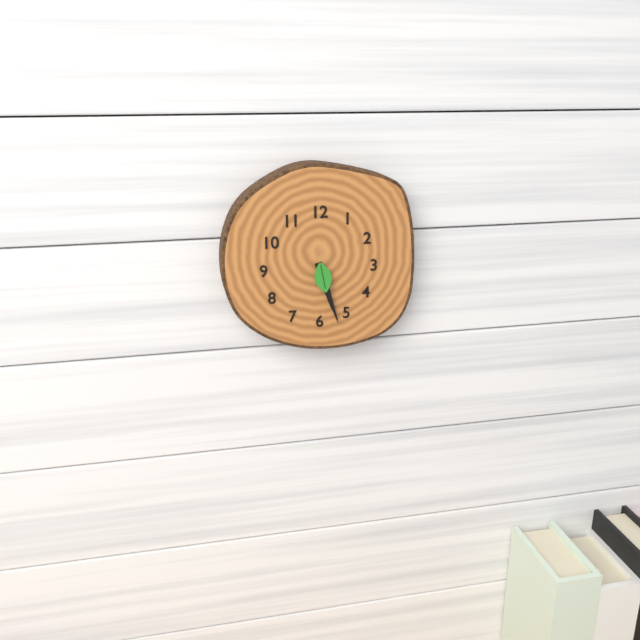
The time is 5h27
